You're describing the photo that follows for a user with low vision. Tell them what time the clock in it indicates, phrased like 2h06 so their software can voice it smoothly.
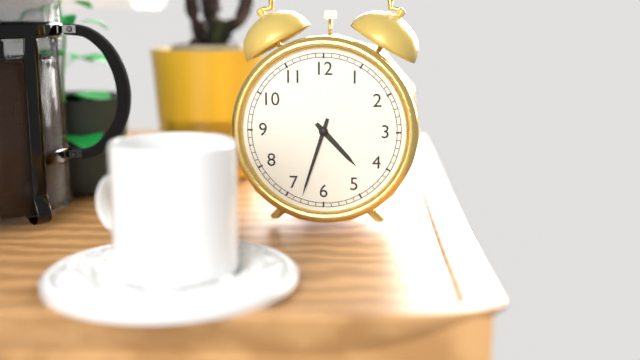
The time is 4h33
